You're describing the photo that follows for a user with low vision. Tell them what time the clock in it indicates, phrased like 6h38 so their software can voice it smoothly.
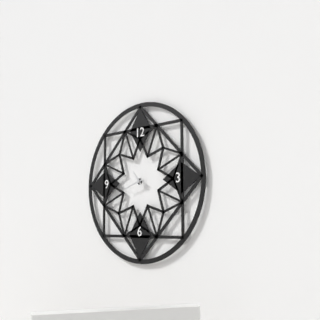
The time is 10h42
